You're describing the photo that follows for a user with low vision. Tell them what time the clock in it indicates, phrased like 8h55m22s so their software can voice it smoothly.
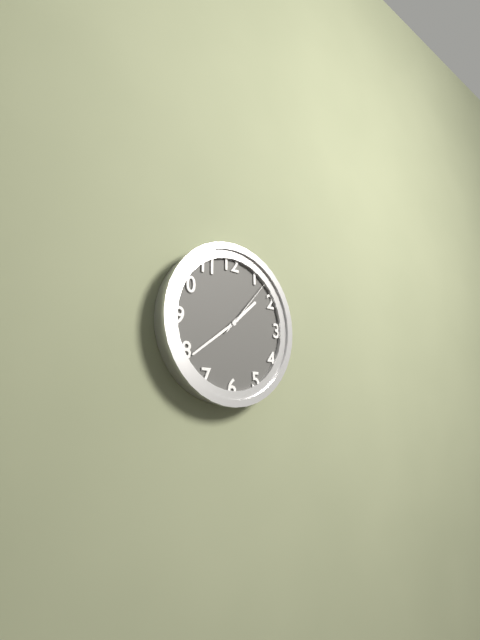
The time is 1h39m07s
